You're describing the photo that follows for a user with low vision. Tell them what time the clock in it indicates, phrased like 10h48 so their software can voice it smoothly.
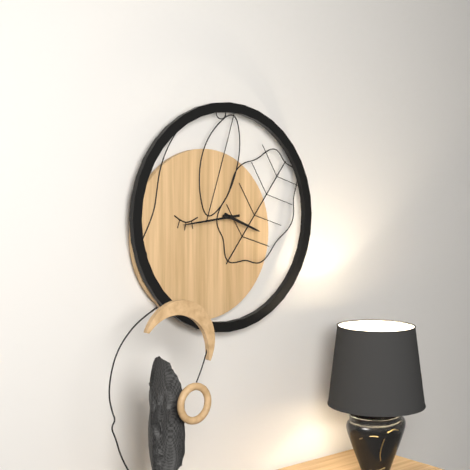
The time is 3h44
